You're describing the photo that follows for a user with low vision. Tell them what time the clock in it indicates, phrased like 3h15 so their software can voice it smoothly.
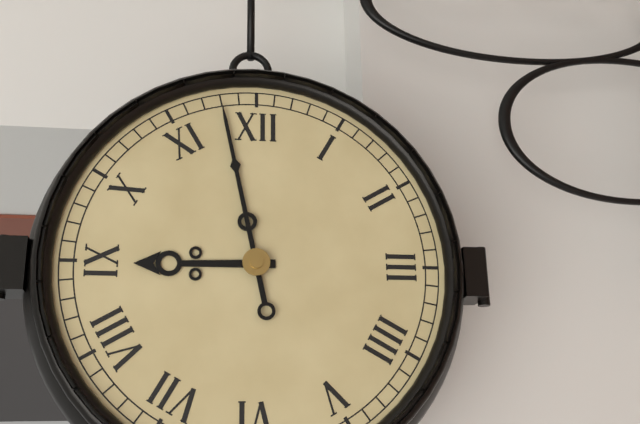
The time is 8h58
